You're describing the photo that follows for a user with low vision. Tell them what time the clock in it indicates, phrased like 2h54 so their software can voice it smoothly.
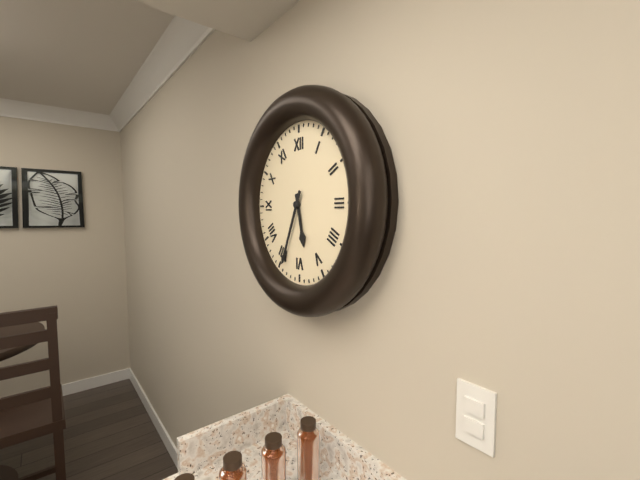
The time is 5h34
